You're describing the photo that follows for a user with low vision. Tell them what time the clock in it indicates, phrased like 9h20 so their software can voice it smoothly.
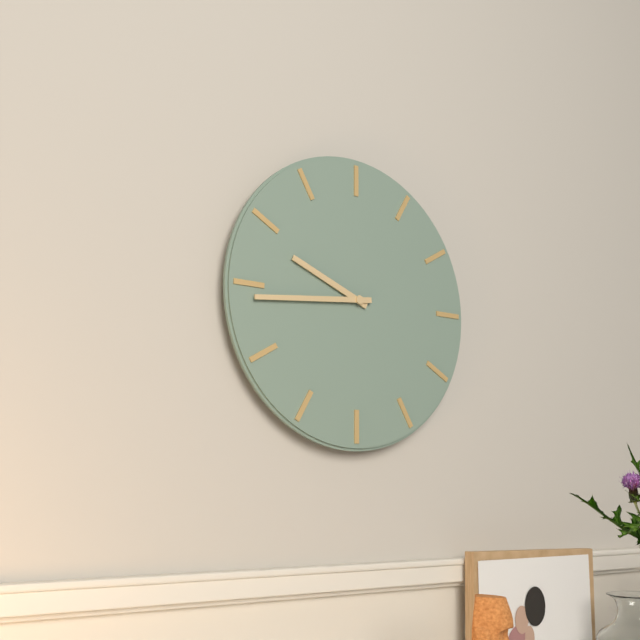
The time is 9h44
